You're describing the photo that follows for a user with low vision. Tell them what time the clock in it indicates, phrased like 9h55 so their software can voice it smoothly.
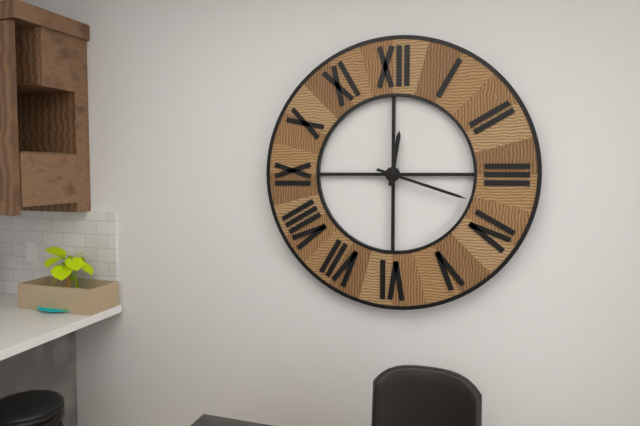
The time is 12h18
